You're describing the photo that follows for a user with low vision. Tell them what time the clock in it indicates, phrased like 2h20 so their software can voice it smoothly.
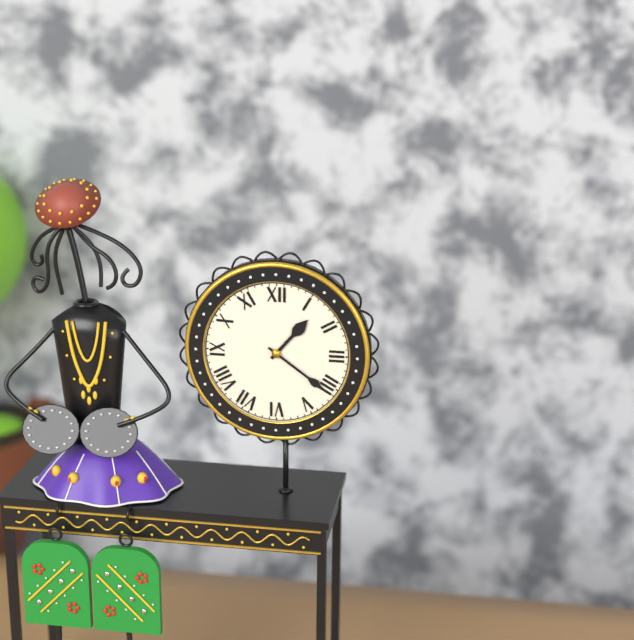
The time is 1h21
